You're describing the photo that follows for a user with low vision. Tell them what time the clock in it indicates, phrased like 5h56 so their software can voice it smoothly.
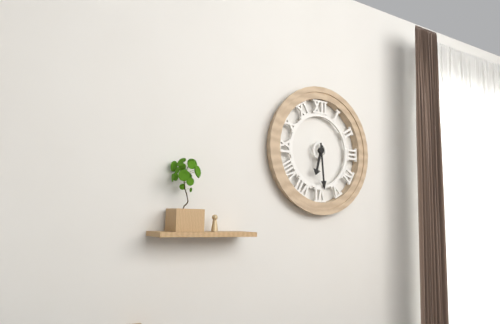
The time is 6h29
